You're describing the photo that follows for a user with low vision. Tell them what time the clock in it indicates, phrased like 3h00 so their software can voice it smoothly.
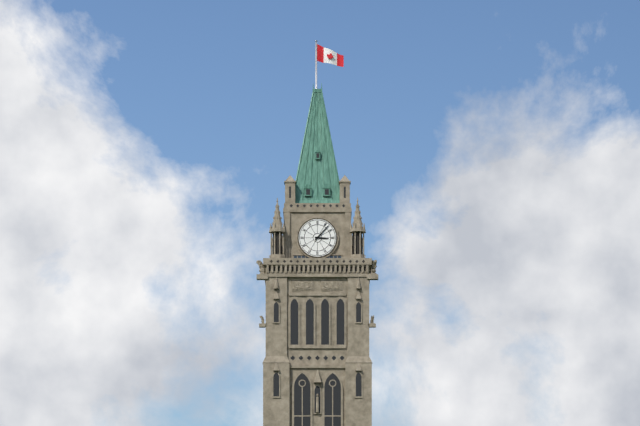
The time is 3h07
